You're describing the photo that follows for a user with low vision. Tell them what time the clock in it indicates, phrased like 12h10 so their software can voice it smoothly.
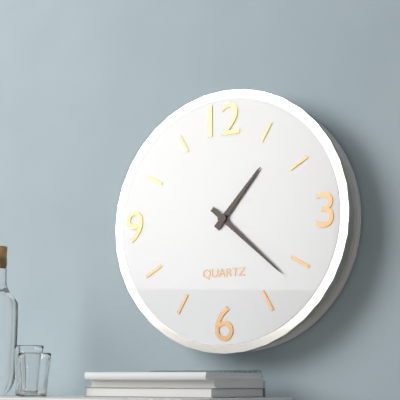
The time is 1h22
